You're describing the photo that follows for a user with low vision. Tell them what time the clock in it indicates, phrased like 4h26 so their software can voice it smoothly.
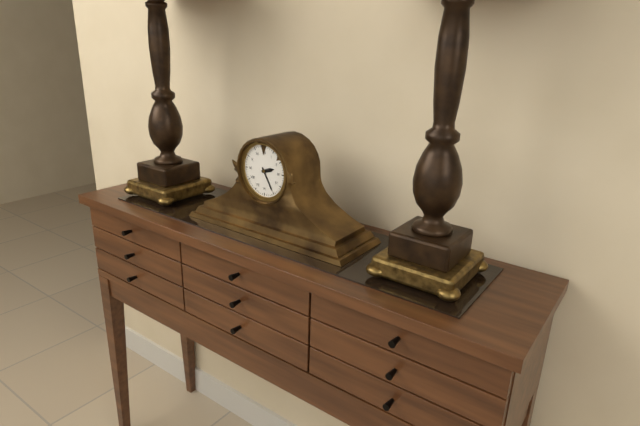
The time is 2h25
